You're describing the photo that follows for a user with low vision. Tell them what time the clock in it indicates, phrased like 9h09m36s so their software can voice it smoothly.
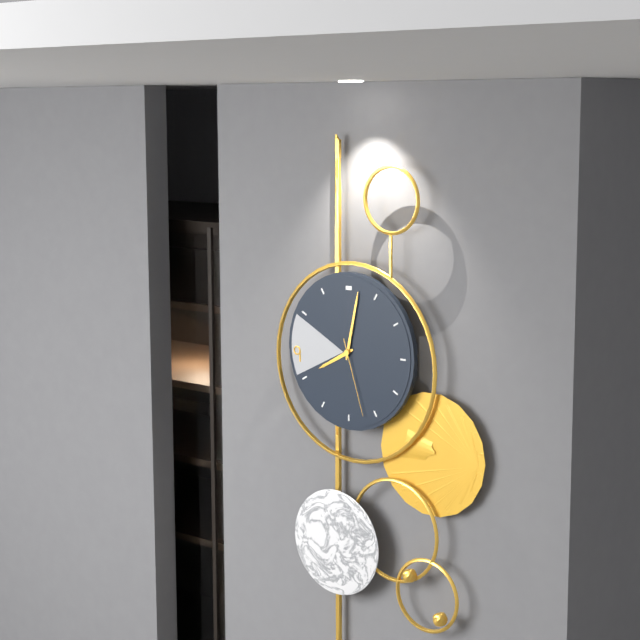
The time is 8h02m27s
